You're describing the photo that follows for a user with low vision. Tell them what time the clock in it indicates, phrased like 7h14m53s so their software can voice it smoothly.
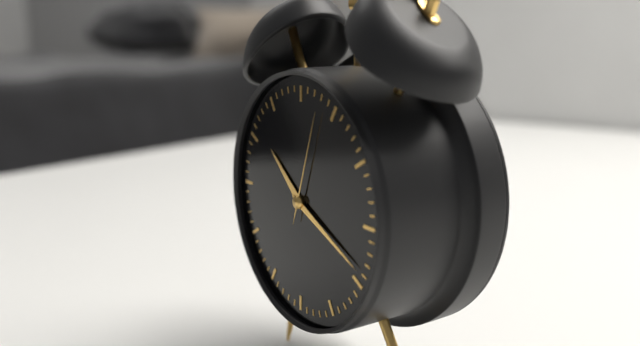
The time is 10h19m03s
